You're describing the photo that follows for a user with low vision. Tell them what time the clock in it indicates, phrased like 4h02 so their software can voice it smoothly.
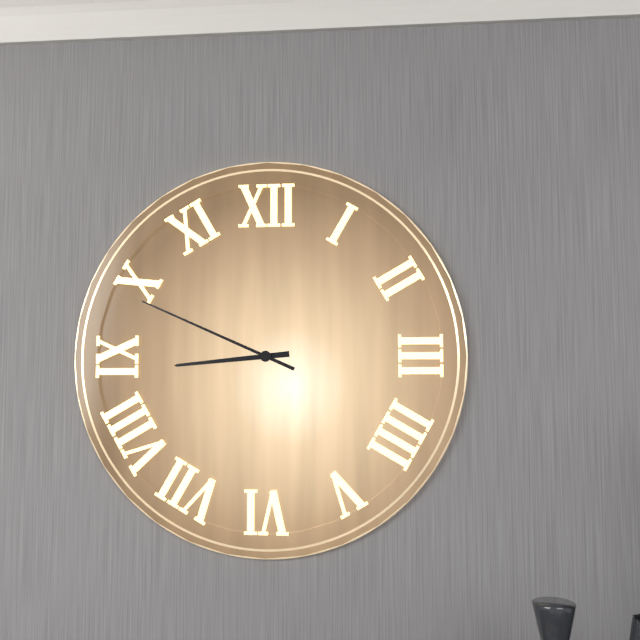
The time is 8h49
